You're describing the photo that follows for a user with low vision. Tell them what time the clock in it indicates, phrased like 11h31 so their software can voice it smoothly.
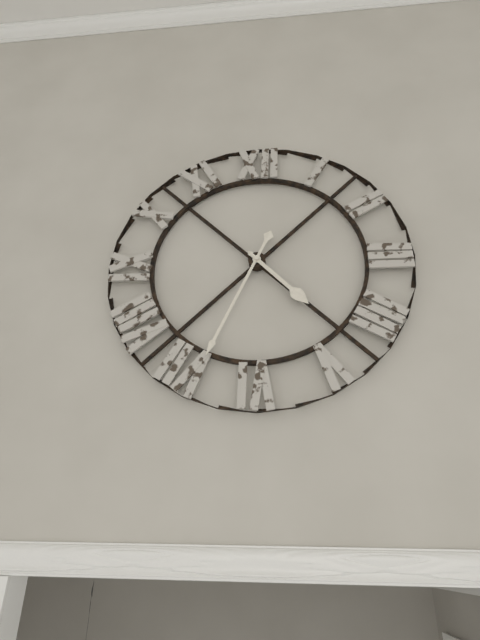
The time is 4h34
